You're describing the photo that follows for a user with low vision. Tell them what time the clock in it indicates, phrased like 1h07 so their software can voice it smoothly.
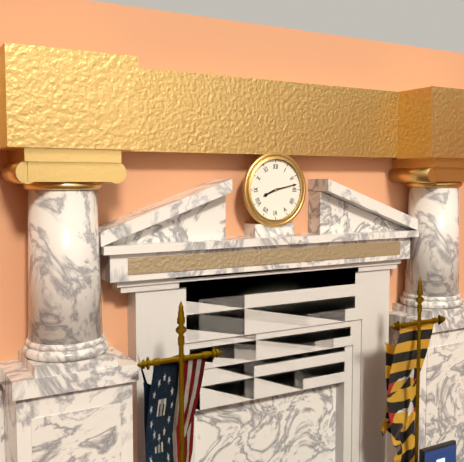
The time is 8h13
